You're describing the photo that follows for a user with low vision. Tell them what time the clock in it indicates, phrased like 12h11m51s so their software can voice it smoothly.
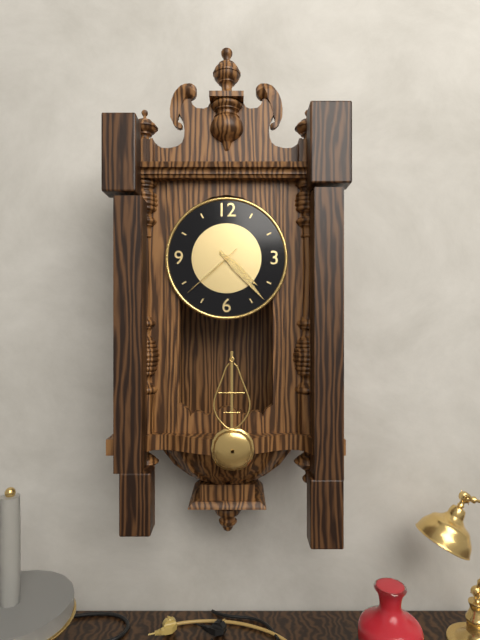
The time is 4h23m38s
